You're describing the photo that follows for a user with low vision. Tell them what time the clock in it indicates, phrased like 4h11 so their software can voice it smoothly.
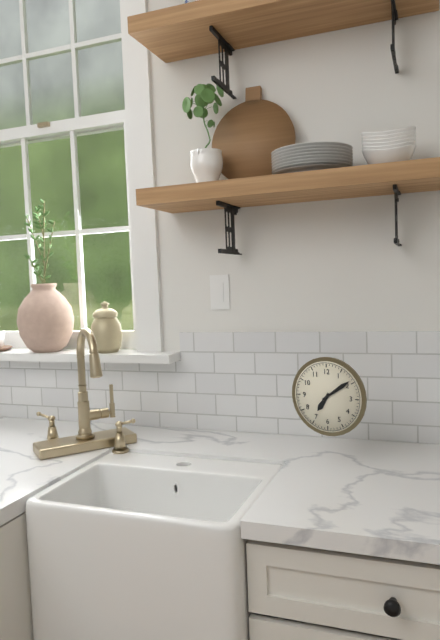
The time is 7h09
